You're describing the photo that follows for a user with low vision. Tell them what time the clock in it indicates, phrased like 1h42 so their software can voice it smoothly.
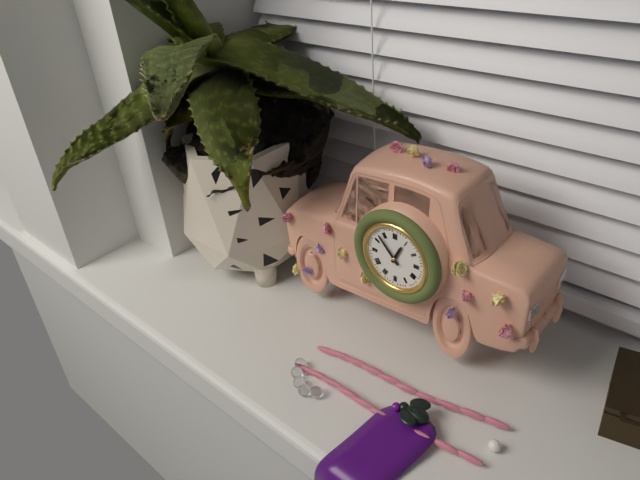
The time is 12h53
